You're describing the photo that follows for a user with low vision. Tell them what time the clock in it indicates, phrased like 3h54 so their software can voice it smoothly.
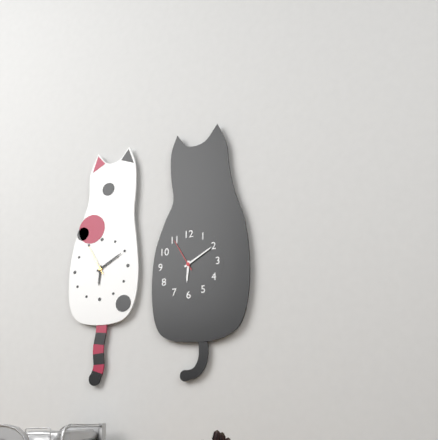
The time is 6h10
